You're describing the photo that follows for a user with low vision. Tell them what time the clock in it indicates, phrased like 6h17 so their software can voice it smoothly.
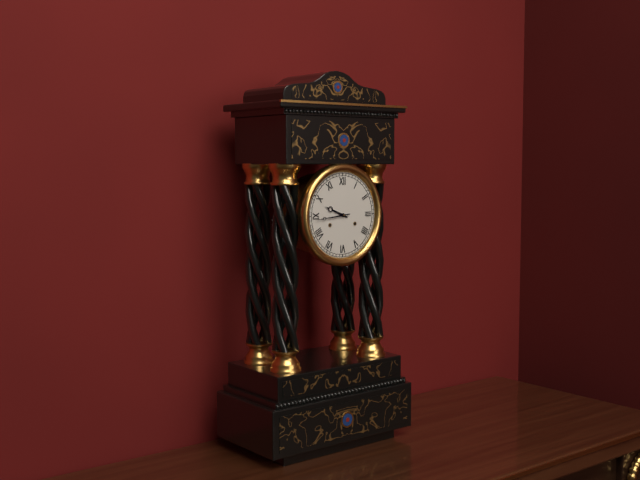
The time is 9h44
